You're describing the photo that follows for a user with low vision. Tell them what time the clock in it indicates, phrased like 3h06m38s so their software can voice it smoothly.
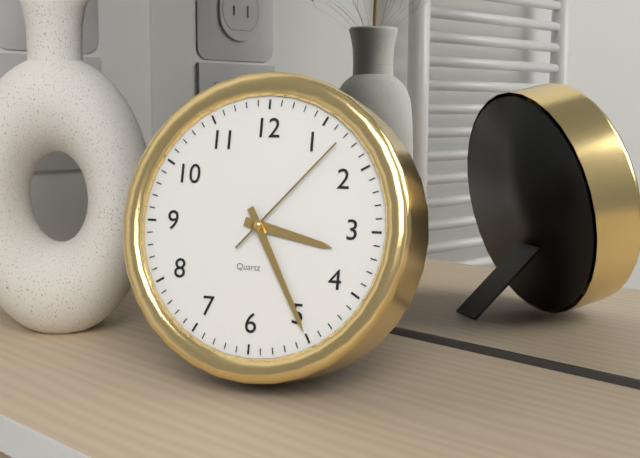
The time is 3h25m07s
